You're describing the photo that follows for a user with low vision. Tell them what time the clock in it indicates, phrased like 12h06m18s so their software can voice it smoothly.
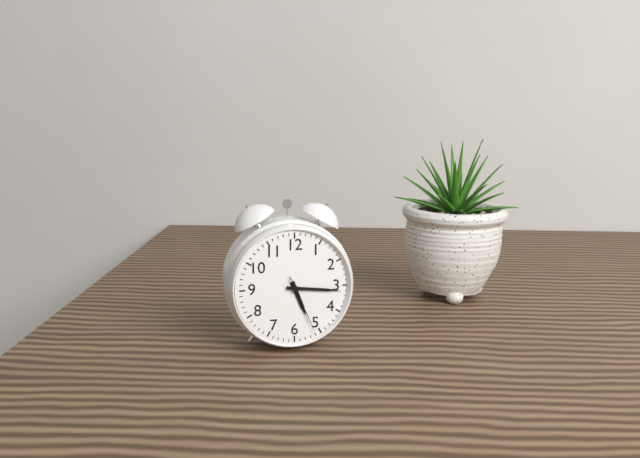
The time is 5h16m26s
